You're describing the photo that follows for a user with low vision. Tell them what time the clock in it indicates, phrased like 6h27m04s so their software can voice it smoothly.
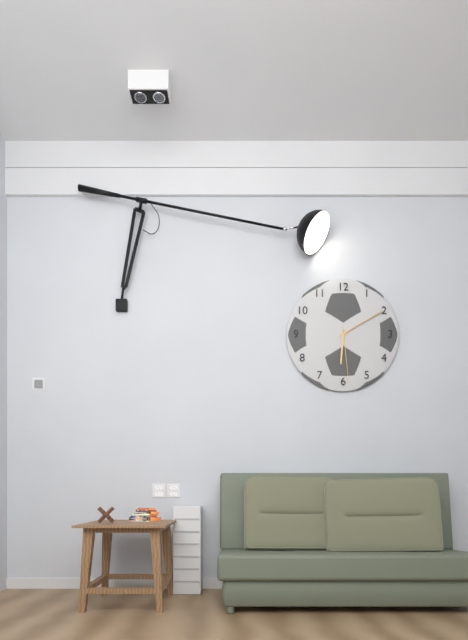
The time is 6h10m29s
